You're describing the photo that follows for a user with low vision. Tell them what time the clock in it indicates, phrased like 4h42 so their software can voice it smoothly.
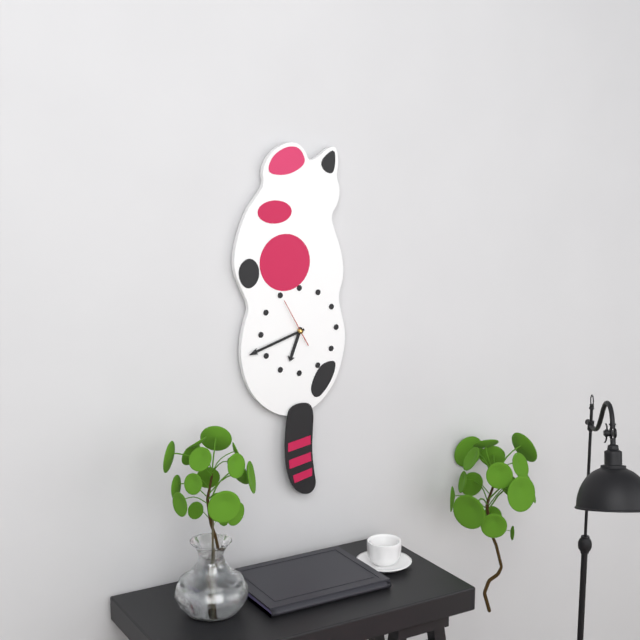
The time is 6h42
